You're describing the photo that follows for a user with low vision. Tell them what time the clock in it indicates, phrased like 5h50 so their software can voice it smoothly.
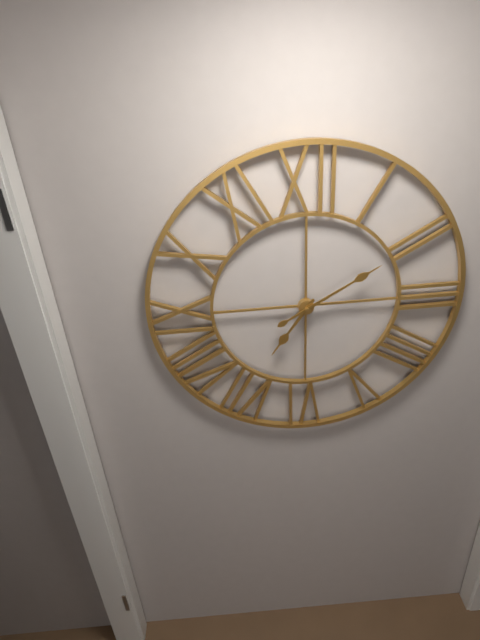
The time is 7h10
